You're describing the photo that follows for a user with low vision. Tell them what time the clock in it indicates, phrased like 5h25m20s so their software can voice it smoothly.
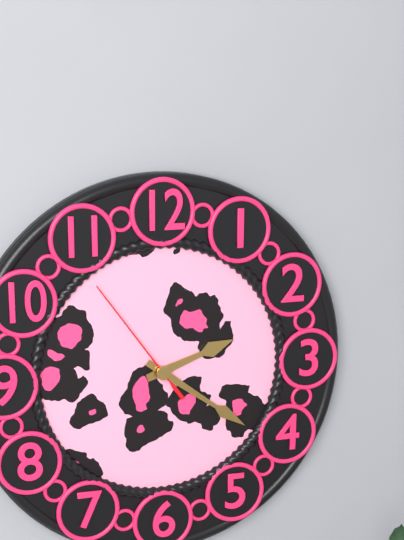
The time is 2h21m54s
